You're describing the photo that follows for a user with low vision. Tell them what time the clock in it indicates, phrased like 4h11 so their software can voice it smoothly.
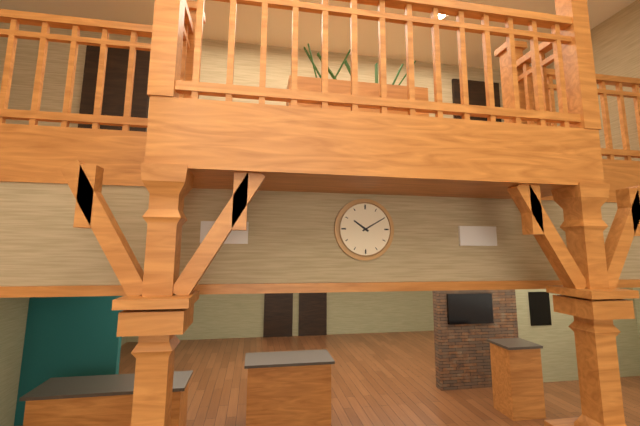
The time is 10h10
